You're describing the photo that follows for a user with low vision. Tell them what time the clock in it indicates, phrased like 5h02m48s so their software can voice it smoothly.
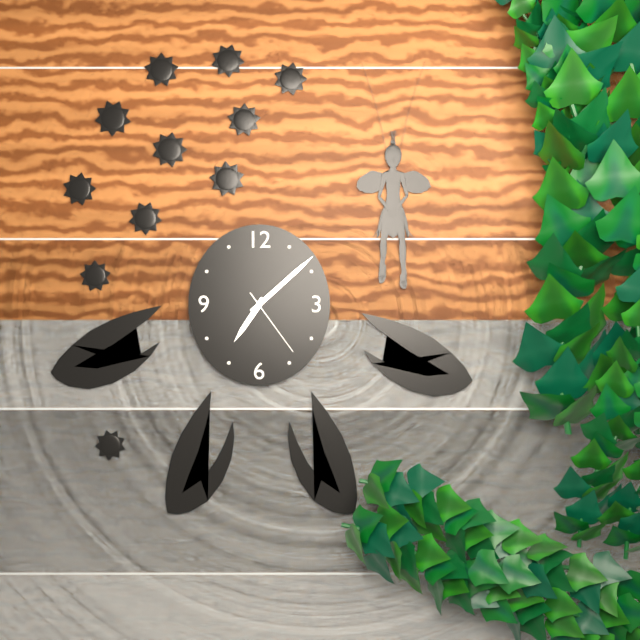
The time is 7h08m24s
